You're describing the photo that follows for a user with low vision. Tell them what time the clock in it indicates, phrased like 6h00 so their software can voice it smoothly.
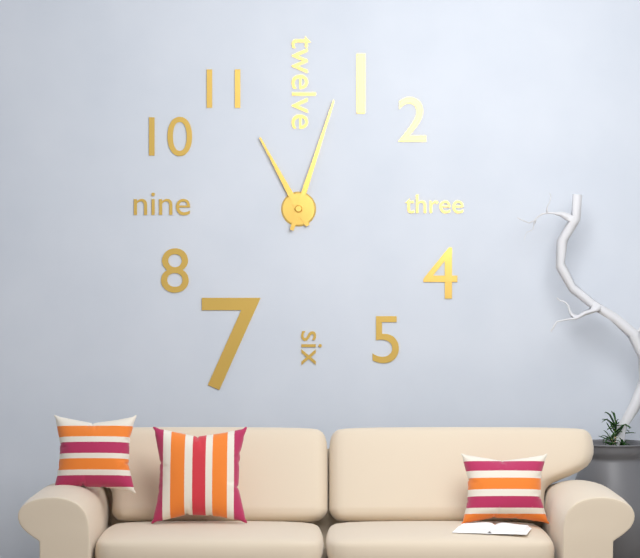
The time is 11h03
